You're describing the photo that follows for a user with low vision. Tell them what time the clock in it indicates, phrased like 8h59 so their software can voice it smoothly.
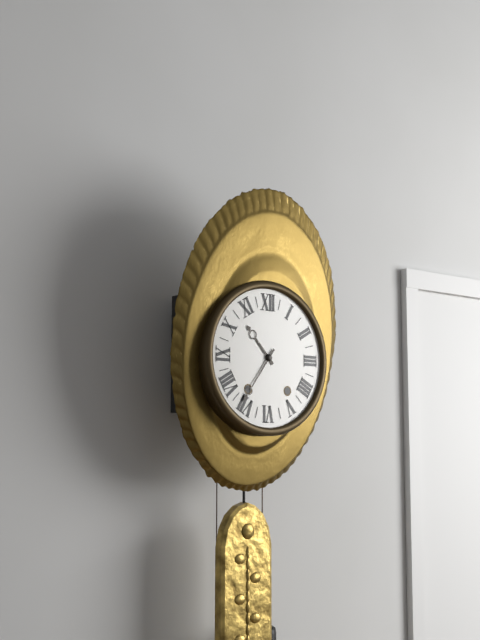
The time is 10h36
